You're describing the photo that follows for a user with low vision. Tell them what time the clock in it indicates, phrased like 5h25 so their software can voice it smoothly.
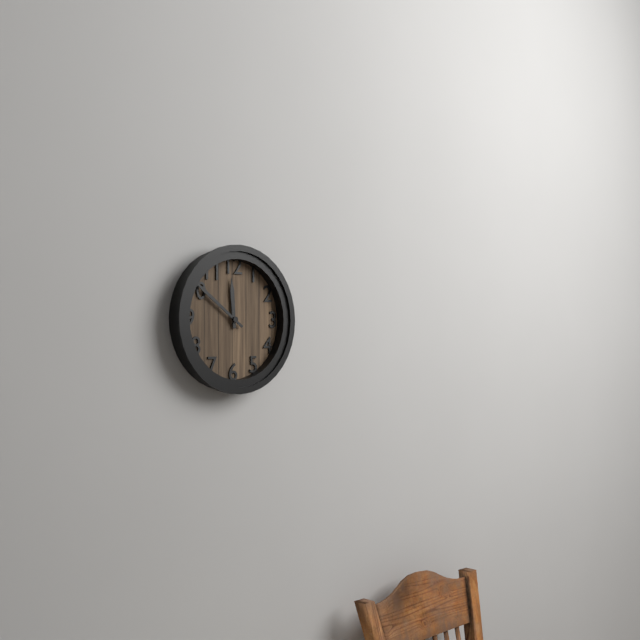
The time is 11h51
